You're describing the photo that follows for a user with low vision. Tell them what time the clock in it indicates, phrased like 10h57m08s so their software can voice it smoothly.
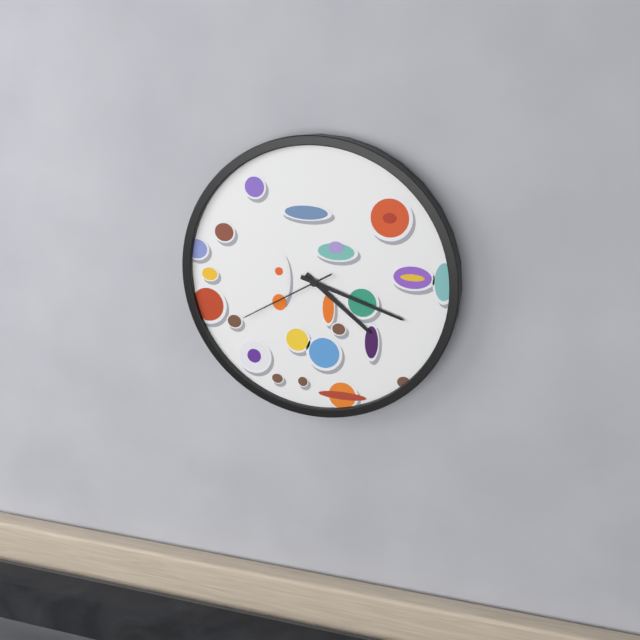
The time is 4h18m40s
